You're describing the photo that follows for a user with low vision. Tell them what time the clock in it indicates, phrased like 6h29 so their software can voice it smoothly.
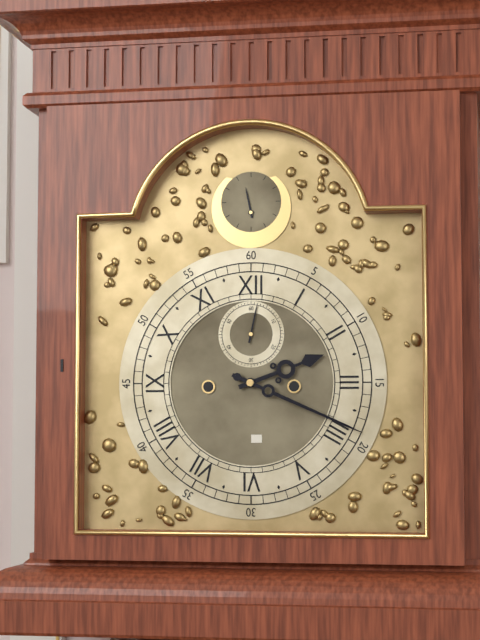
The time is 2h19
